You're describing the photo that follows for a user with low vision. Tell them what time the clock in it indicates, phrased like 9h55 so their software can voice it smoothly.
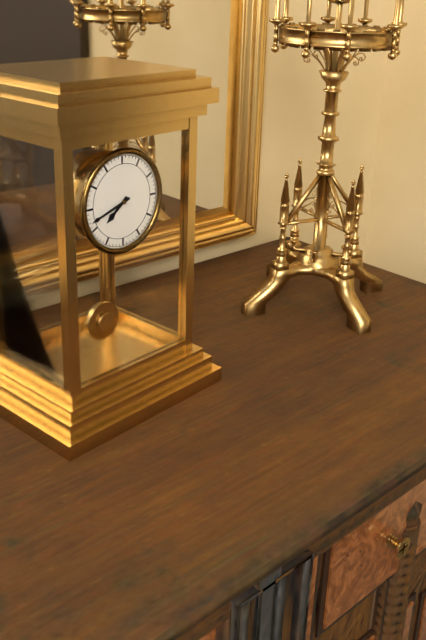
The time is 7h42
